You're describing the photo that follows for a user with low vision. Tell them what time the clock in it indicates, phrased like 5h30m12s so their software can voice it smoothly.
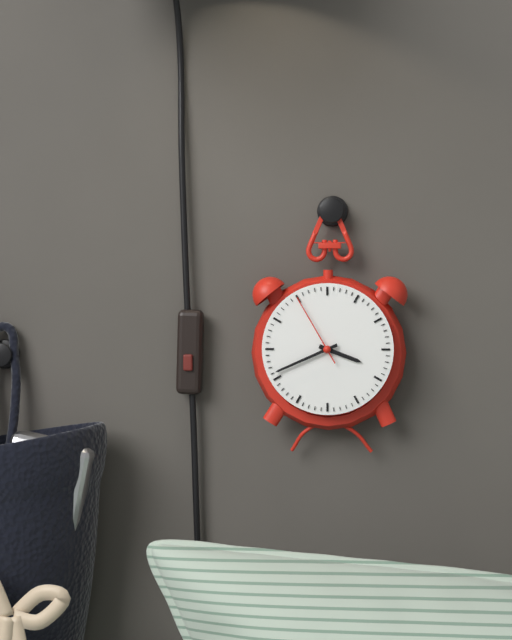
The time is 3h41m55s
